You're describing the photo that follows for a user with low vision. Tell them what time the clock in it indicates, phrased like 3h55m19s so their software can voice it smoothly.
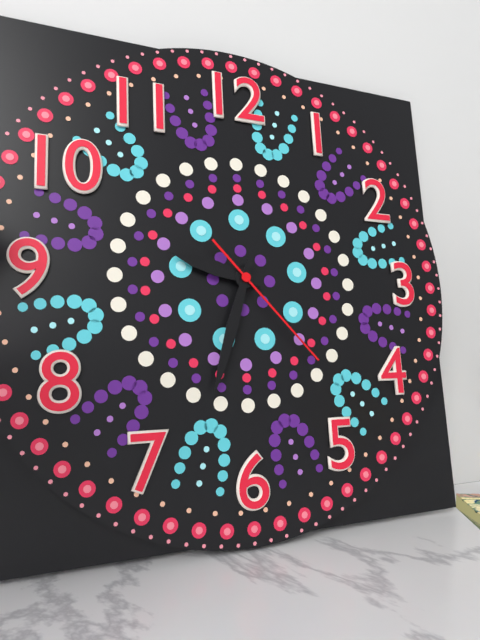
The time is 9h33m23s
